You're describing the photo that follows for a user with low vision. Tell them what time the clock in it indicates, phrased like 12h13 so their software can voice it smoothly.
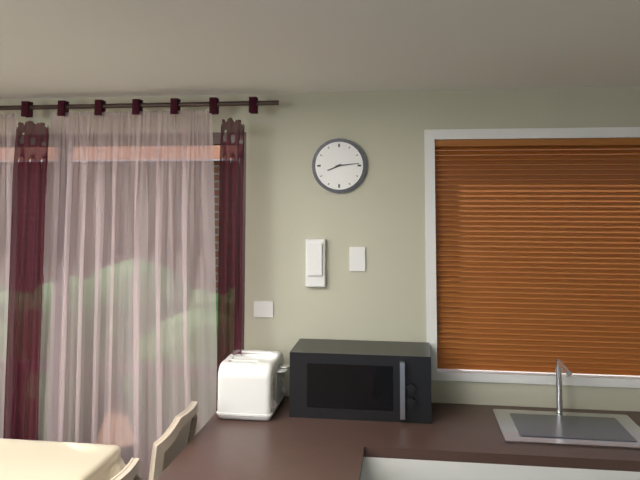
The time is 8h14
